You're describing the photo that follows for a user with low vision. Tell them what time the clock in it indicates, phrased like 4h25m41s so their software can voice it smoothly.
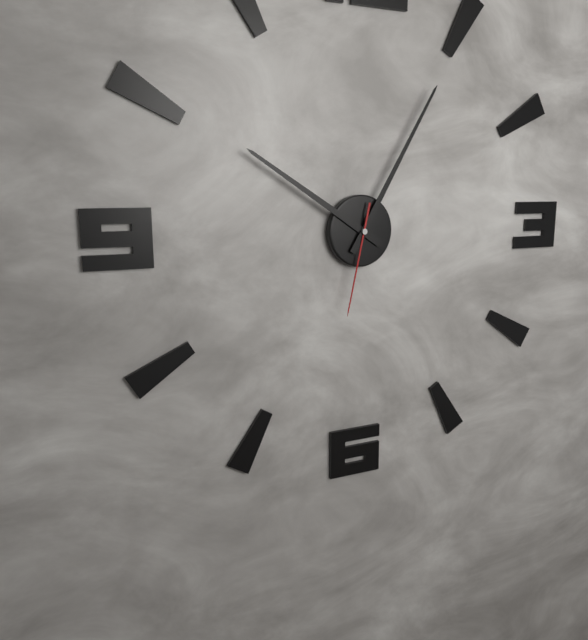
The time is 10h05m32s
